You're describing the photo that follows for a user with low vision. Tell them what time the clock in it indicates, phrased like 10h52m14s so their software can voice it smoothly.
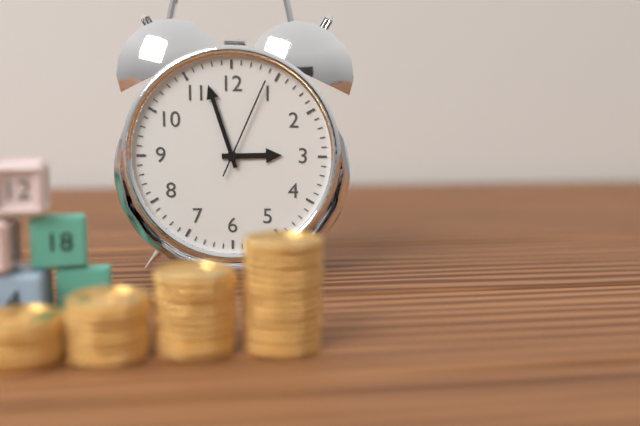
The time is 2h57m04s
